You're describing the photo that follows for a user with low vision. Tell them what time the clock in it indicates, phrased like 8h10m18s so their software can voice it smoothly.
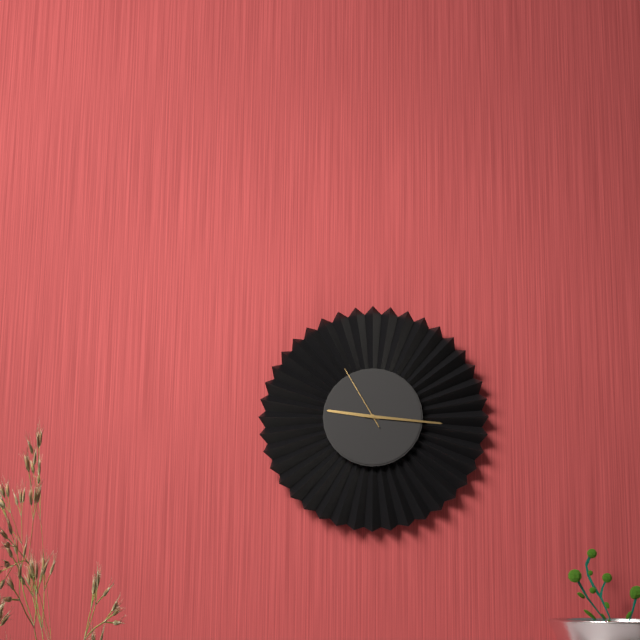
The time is 9h16m55s
